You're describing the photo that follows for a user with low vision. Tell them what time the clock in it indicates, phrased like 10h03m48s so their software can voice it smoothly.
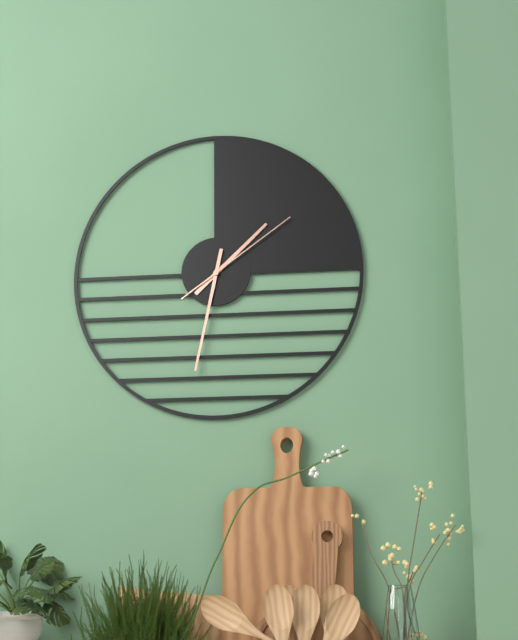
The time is 1h32m09s
